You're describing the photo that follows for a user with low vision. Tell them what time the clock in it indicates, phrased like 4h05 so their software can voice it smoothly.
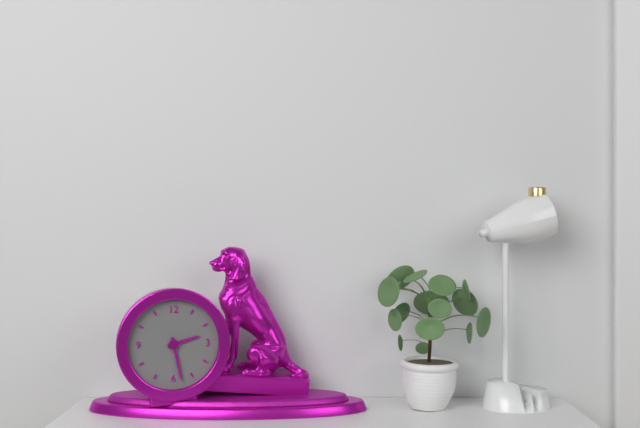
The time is 2h28
